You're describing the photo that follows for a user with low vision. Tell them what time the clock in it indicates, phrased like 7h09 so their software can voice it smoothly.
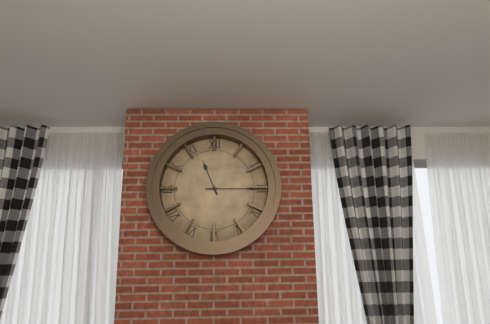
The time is 11h15
